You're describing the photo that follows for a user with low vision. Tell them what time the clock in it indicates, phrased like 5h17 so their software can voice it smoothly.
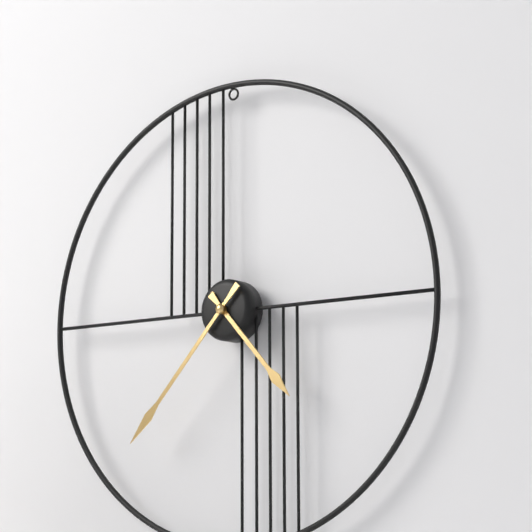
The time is 4h37
